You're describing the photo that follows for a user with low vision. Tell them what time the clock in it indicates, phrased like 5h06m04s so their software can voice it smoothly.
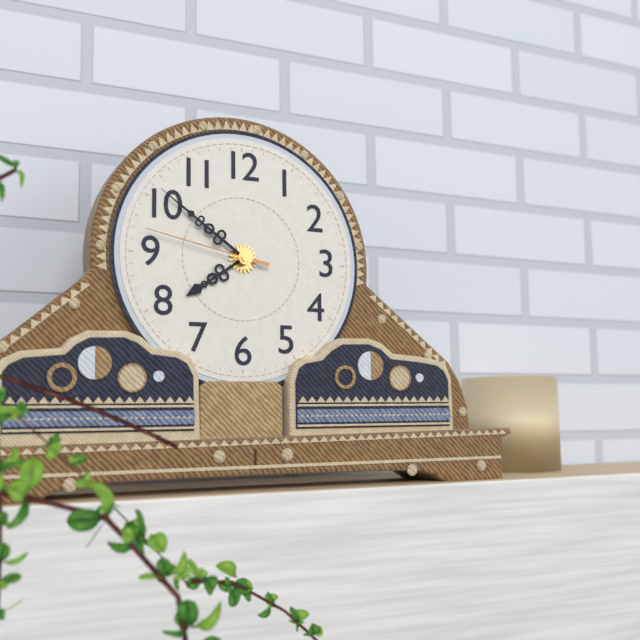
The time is 7h51m47s
